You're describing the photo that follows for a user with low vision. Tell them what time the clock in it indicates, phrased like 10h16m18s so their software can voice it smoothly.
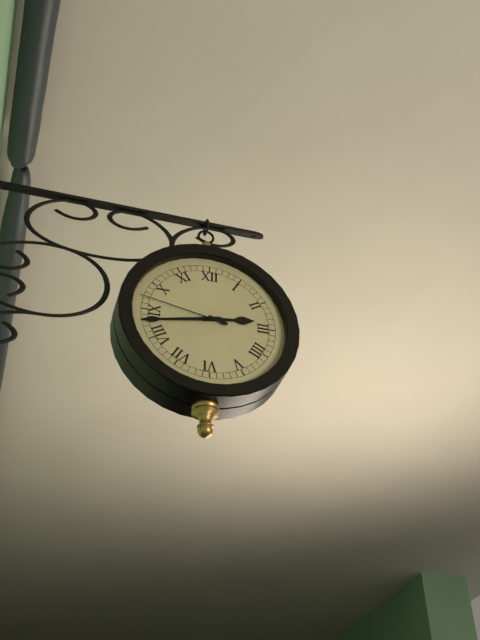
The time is 2h43m47s
